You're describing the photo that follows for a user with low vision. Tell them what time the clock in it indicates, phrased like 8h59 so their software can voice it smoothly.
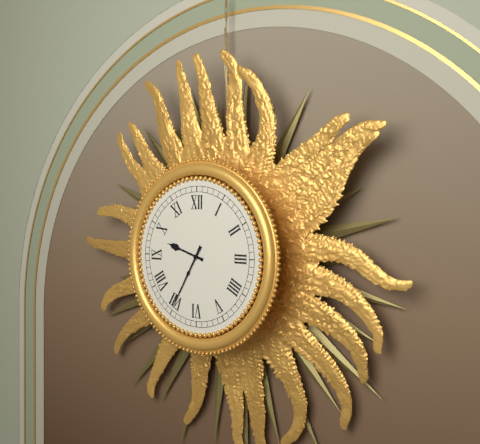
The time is 9h35
